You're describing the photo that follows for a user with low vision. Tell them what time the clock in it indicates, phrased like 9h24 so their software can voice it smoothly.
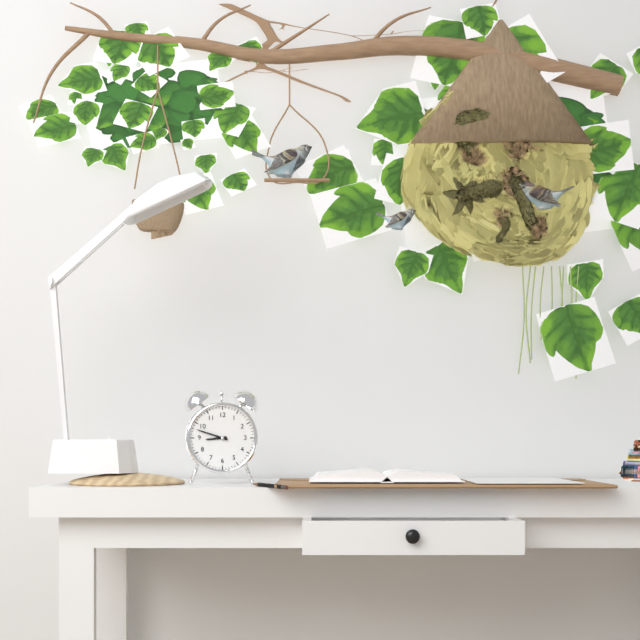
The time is 8h48
